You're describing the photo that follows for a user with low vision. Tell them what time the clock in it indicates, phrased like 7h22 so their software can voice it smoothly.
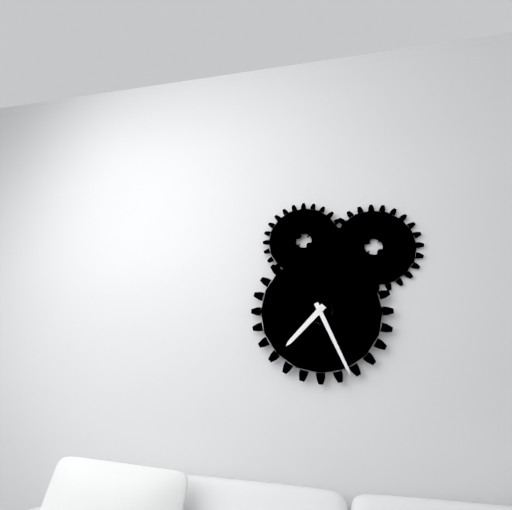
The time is 7h26
